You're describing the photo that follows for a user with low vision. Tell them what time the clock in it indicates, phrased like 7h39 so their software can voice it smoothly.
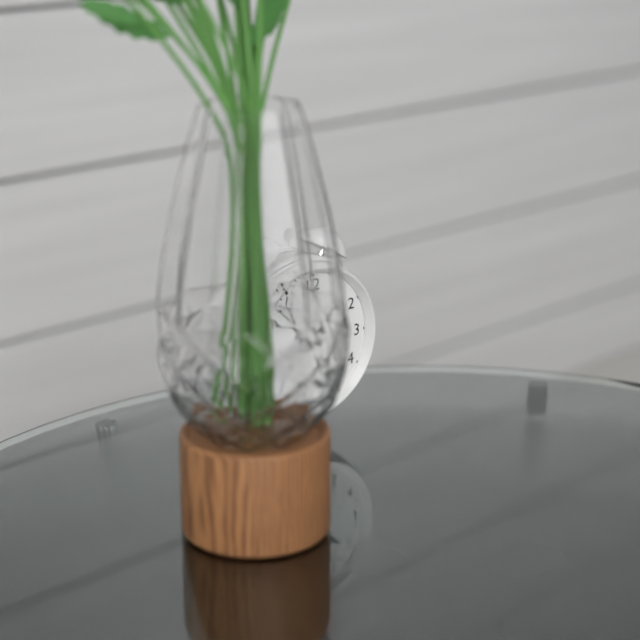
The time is 1h51
